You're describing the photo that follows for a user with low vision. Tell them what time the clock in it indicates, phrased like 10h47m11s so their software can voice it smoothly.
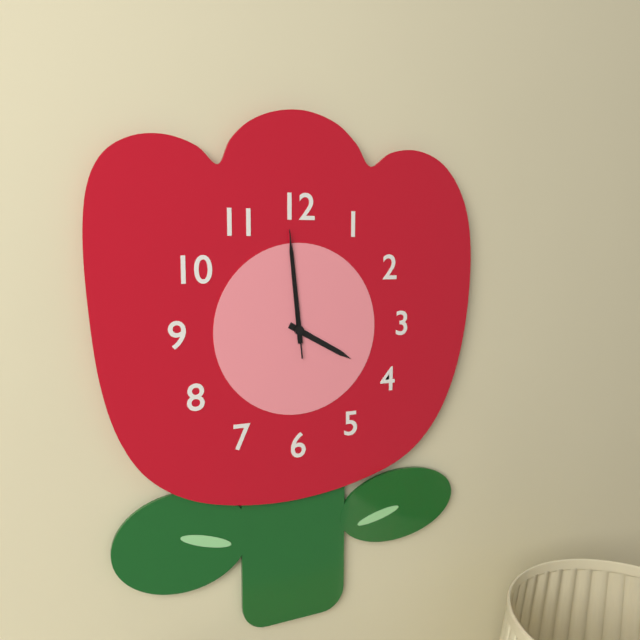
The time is 3h59m59s
